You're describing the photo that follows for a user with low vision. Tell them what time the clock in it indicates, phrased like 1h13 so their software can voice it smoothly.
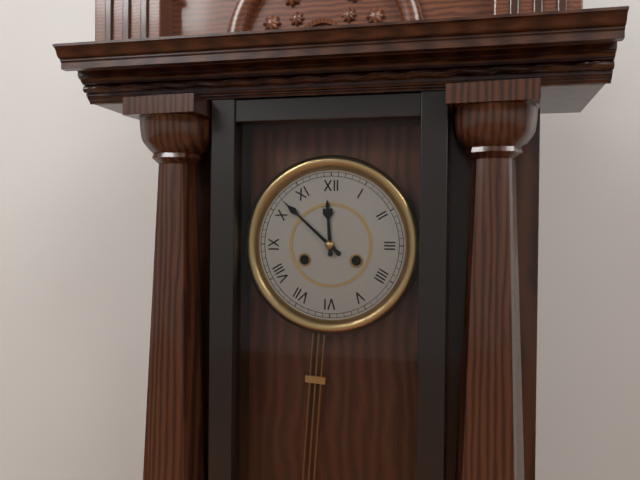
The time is 11h52
